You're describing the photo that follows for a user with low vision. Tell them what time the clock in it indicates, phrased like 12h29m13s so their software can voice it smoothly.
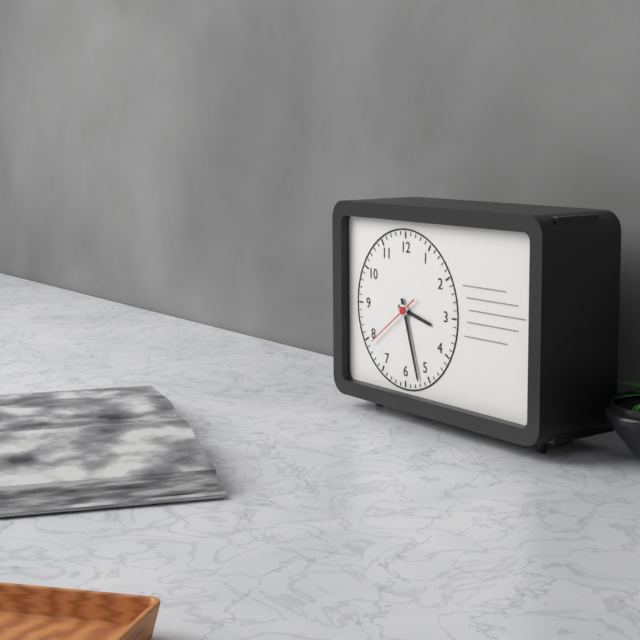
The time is 3h27m39s
